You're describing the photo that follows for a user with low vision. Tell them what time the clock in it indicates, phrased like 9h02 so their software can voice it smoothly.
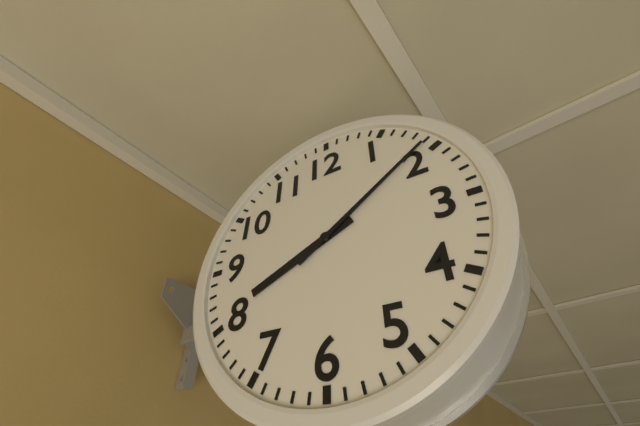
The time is 8h09
